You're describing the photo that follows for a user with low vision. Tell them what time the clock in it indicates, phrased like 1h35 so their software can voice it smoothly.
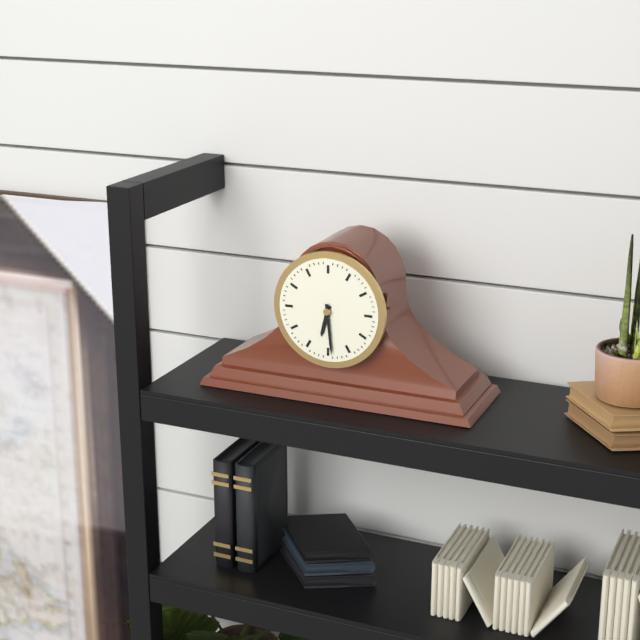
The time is 6h29
